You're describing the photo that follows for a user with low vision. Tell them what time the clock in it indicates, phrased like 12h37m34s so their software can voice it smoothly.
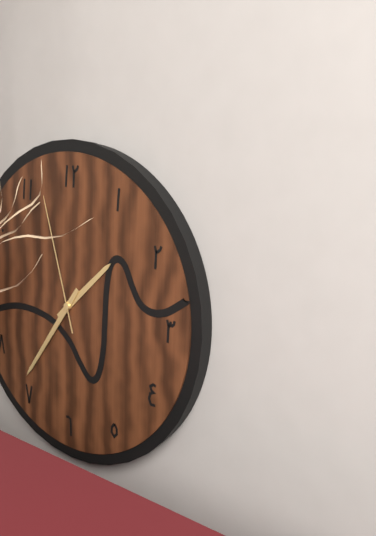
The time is 1h36m57s
